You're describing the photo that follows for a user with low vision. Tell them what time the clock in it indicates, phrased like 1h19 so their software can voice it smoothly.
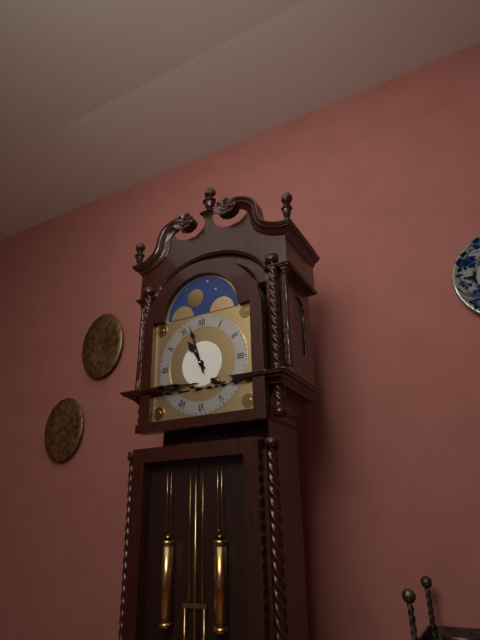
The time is 10h57
